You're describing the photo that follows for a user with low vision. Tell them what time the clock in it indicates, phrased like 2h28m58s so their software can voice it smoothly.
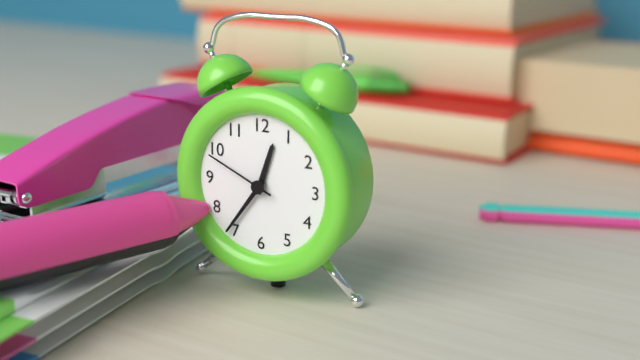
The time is 12h36m49s
